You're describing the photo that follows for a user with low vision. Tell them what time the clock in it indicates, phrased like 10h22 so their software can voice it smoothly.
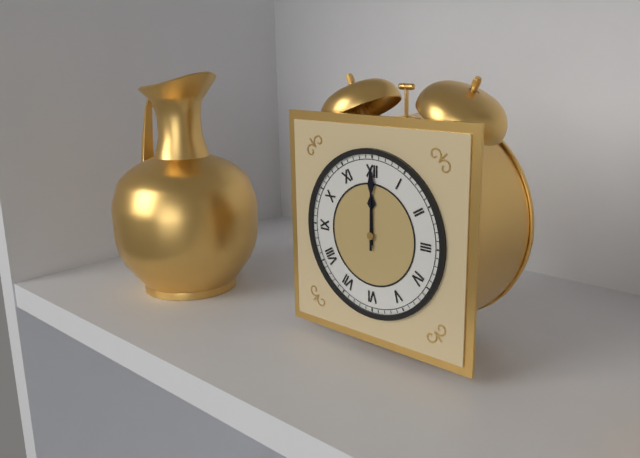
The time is 12h00
